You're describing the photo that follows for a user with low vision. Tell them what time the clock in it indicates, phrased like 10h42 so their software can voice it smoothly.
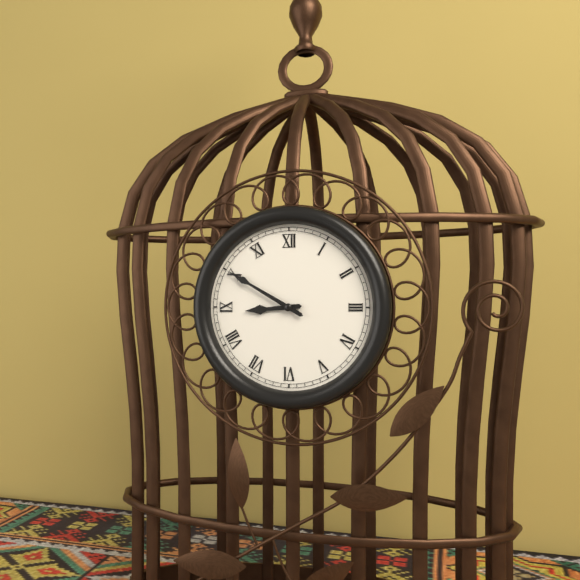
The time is 8h50
